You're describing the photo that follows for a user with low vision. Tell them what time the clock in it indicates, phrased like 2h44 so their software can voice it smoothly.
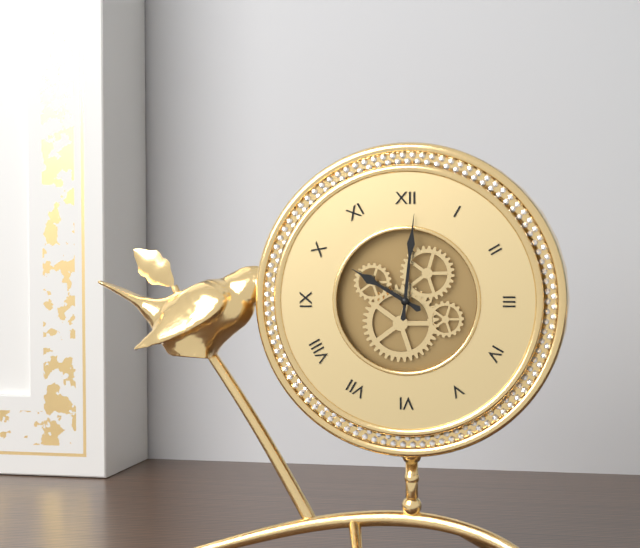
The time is 10h01
